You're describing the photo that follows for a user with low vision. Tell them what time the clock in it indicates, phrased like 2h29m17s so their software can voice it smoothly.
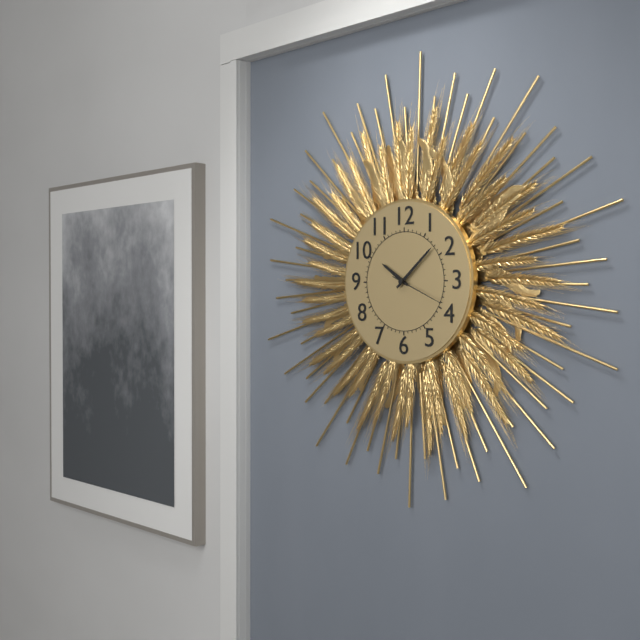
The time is 10h08m19s
